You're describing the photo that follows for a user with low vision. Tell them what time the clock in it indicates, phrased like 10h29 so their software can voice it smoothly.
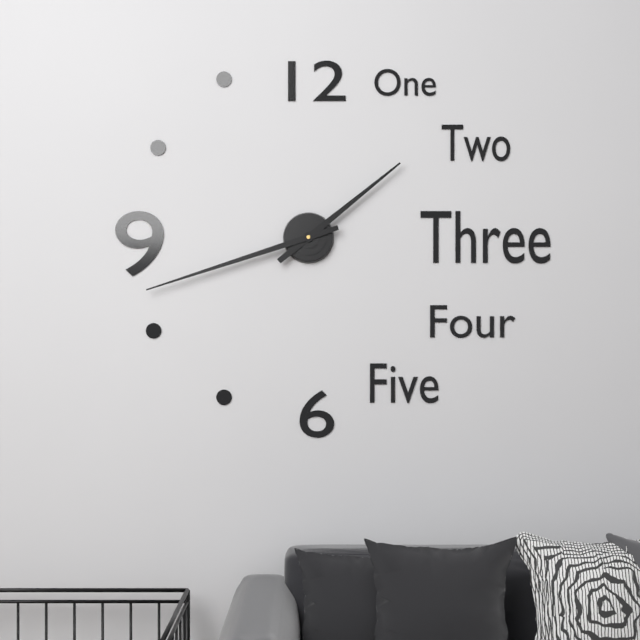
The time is 1h42
